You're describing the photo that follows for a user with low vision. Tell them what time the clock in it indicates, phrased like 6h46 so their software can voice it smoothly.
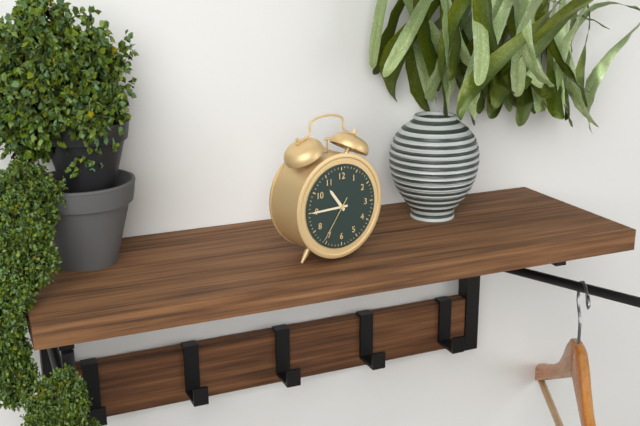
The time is 10h45
